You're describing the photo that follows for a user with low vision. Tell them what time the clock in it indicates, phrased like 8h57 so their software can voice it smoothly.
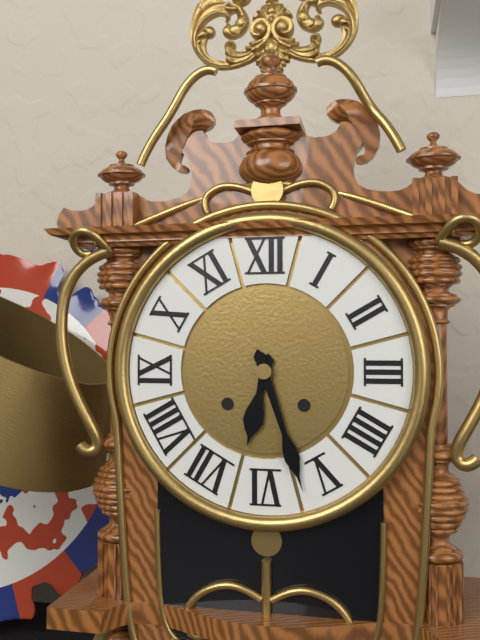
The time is 6h27
